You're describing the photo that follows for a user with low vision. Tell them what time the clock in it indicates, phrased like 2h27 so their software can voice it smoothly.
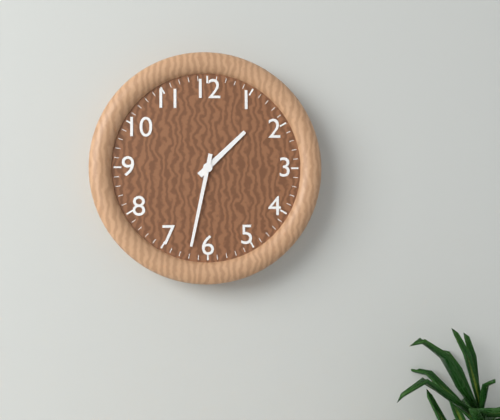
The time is 1h32
